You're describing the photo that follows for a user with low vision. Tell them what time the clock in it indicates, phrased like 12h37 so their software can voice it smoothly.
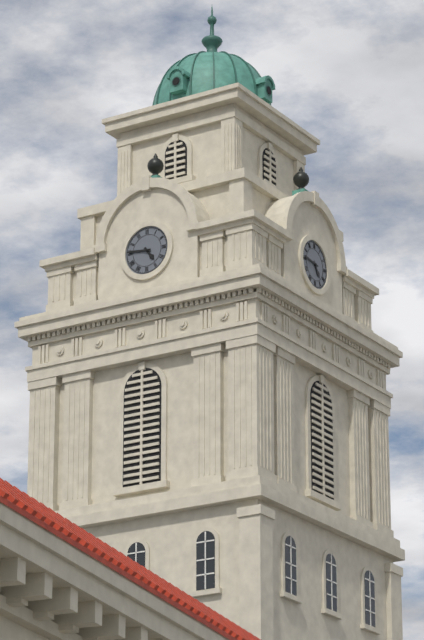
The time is 4h46
